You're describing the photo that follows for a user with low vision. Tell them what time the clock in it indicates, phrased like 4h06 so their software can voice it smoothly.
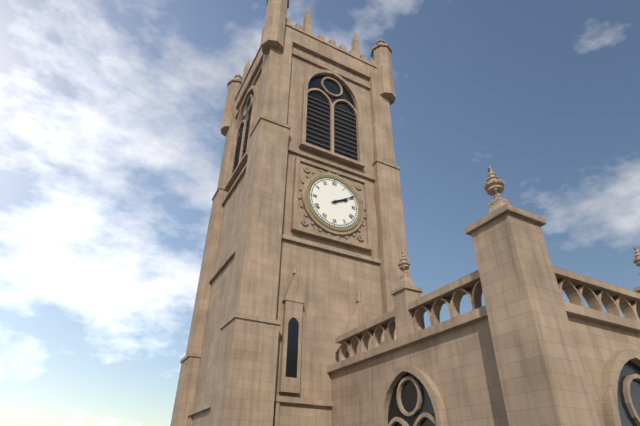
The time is 2h10
